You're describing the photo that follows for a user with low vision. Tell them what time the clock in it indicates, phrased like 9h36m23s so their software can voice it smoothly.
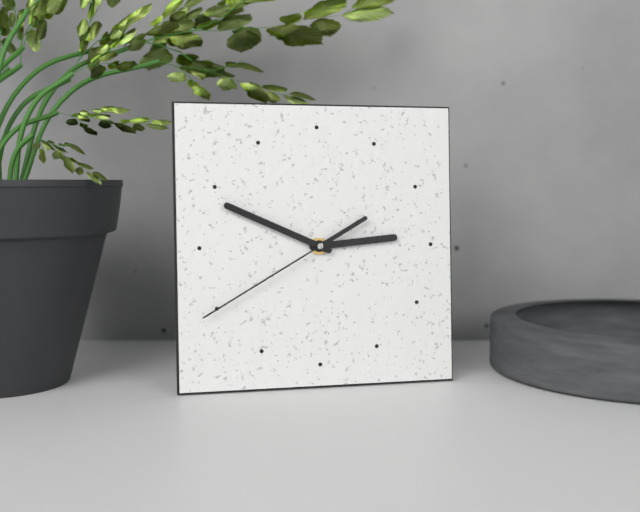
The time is 2h49m40s
